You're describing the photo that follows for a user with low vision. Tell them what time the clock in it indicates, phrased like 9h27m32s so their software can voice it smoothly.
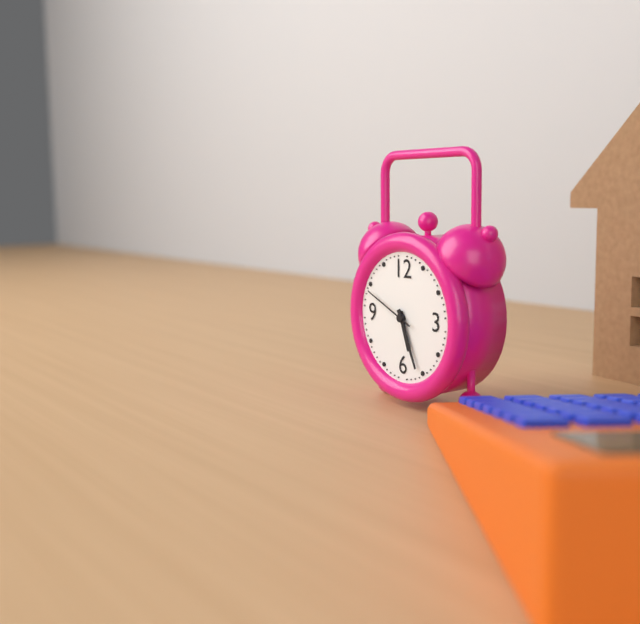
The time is 5h26m49s
